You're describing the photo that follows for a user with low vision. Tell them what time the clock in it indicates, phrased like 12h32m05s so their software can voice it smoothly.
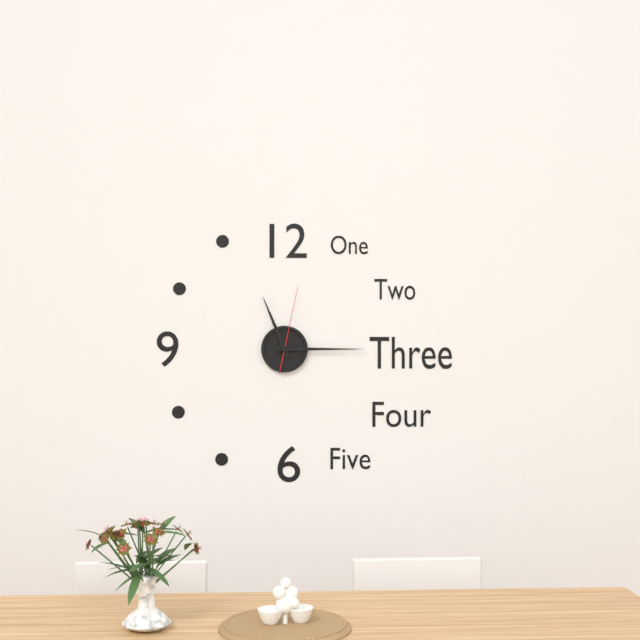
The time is 11h15m02s
